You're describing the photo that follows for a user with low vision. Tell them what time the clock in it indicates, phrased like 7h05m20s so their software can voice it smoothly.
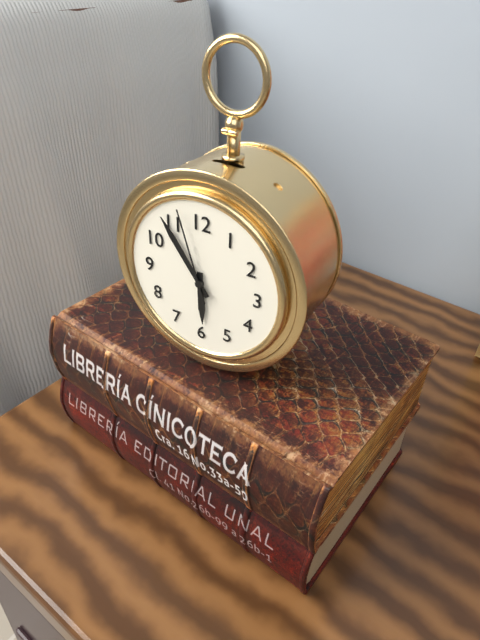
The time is 5h54m57s
